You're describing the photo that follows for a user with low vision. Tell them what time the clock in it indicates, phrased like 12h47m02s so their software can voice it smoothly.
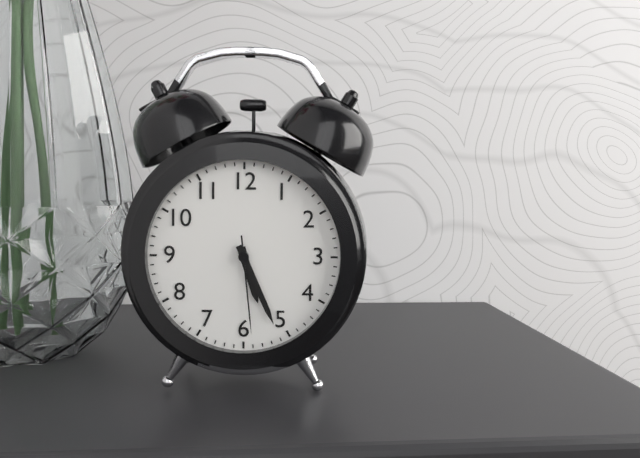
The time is 5h26m29s
